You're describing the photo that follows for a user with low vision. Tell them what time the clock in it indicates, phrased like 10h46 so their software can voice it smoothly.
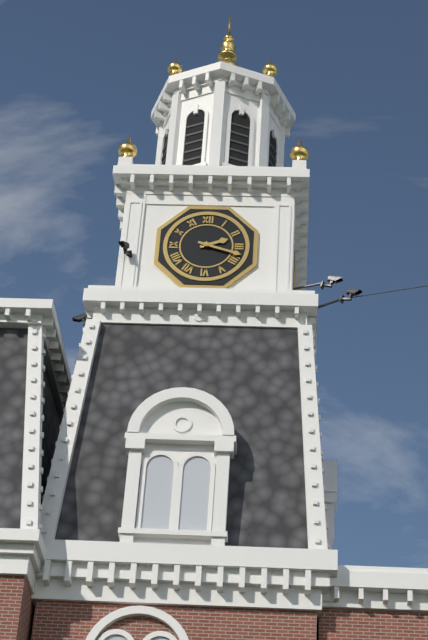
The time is 2h18
